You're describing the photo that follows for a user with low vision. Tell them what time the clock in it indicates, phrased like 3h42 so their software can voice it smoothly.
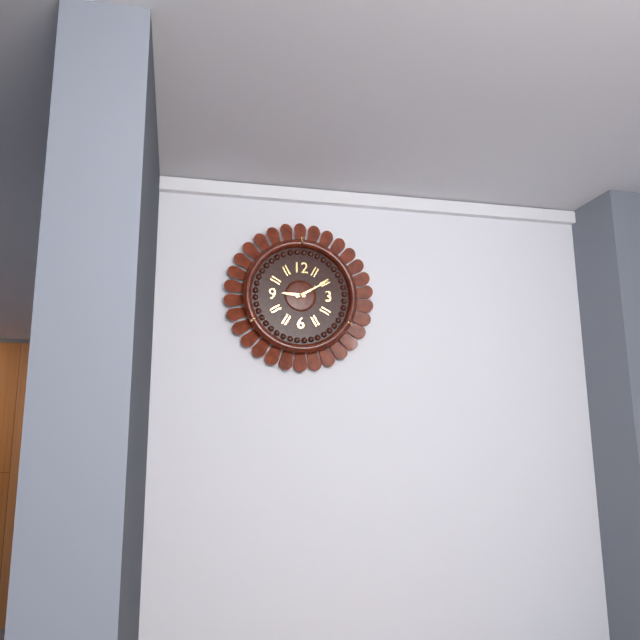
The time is 9h10
